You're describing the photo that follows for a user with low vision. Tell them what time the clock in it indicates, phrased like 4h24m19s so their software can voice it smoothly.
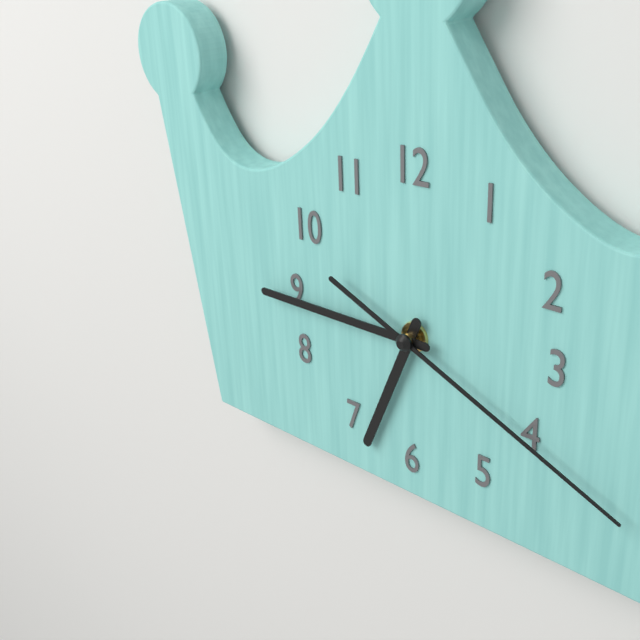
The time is 6h45m19s
